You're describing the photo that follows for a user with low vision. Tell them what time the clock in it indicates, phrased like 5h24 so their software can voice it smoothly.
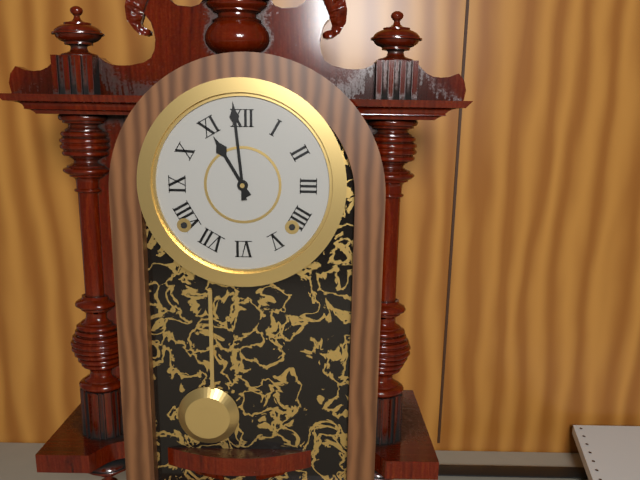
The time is 10h59
